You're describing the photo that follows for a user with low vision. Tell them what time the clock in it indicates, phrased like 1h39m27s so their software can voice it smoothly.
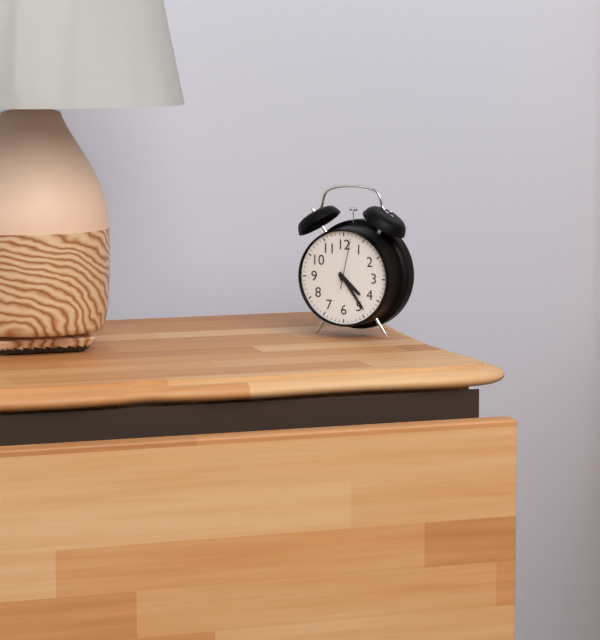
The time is 4h24m02s
